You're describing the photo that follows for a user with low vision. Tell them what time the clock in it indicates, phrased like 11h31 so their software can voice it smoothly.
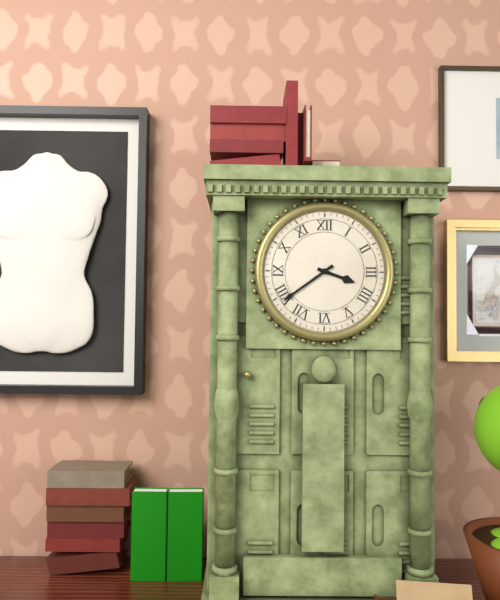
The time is 3h39
